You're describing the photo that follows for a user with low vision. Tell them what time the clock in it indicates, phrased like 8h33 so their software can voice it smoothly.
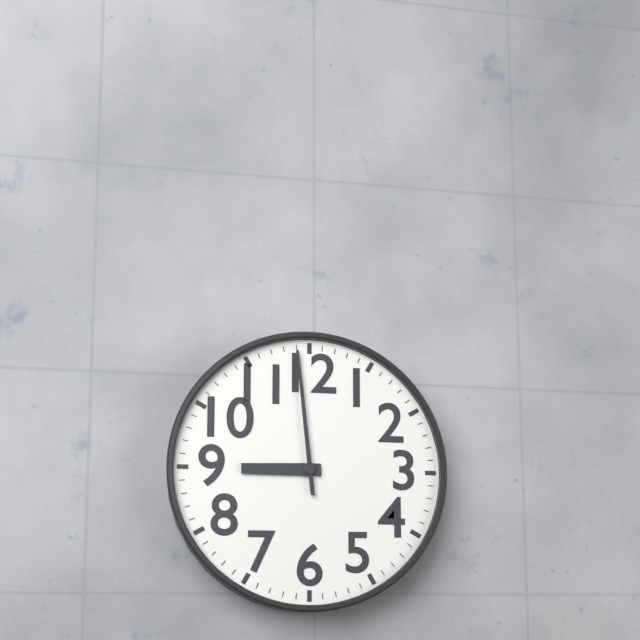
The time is 8h59
